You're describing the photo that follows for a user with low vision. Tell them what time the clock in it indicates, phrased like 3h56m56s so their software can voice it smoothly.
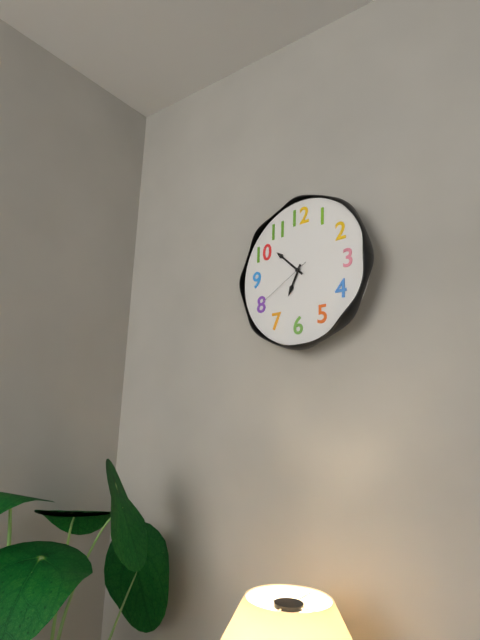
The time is 6h52m40s
